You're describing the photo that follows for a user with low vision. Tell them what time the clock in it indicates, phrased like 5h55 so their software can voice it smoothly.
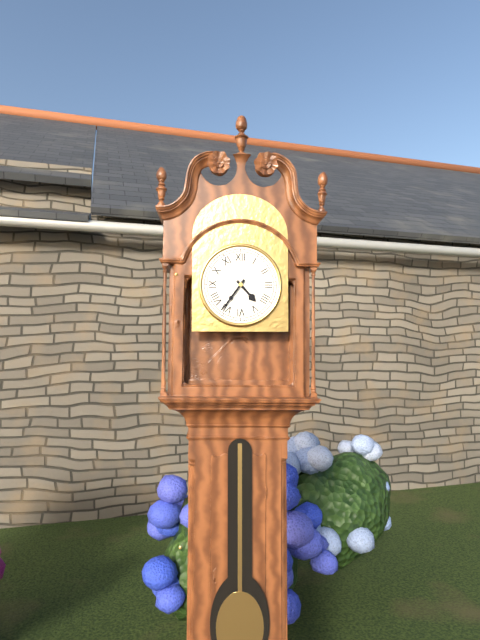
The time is 4h36
